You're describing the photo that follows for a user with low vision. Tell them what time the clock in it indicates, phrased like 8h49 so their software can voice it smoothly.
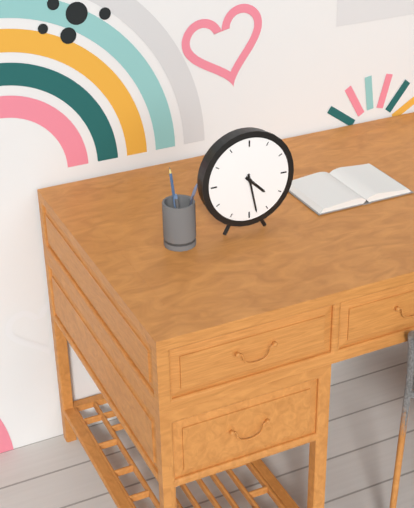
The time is 4h28
